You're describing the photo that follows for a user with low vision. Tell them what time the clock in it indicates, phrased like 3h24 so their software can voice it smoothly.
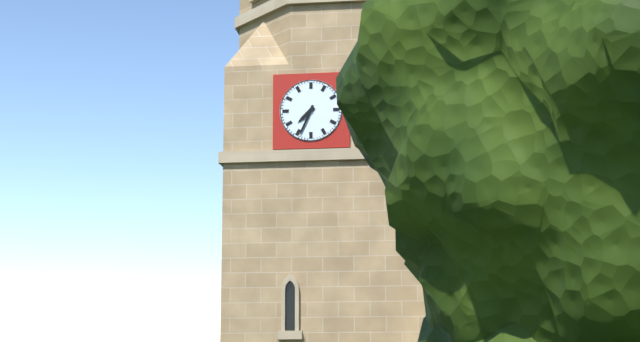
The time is 7h34
